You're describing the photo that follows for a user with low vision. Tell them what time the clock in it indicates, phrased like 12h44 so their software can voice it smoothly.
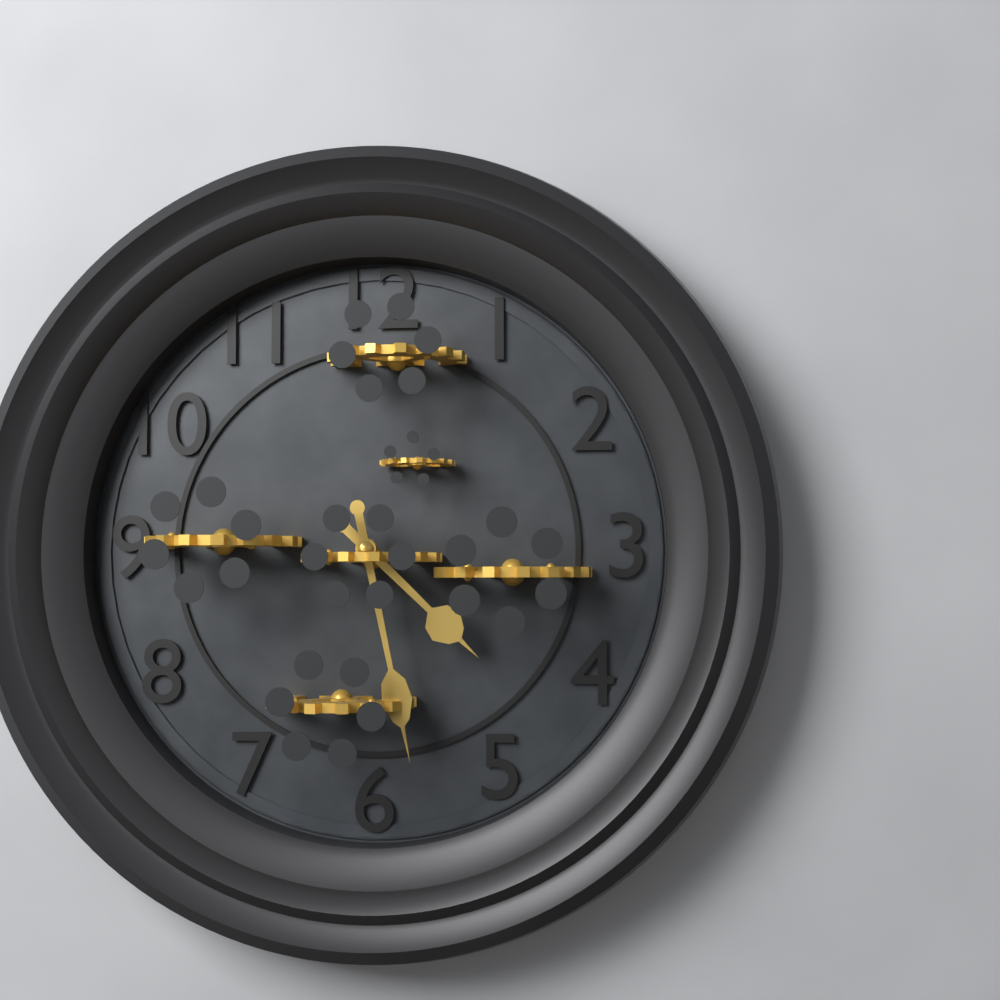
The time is 4h28
